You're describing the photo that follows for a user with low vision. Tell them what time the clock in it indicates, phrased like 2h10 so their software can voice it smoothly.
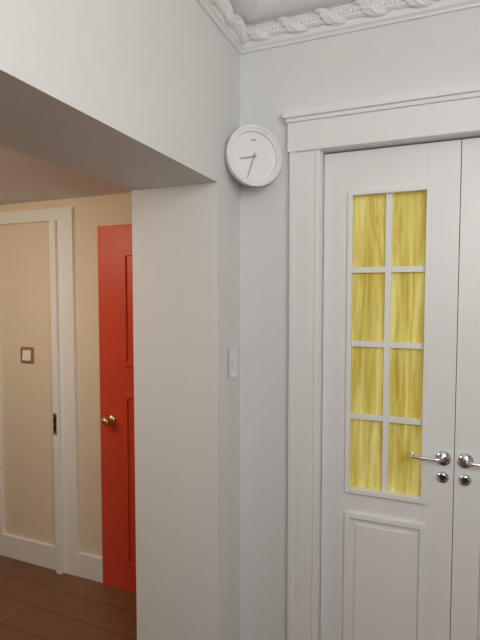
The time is 8h33
